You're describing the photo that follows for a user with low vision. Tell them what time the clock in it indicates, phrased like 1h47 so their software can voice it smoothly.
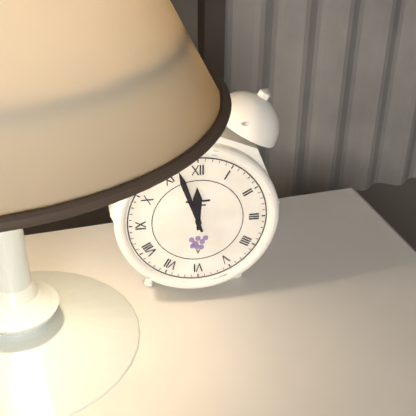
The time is 11h57
